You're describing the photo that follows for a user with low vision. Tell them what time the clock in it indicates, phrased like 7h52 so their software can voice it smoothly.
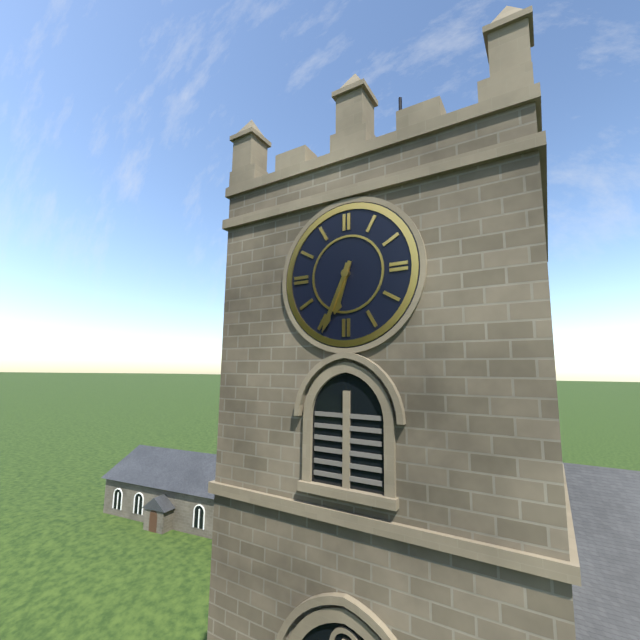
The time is 6h34
